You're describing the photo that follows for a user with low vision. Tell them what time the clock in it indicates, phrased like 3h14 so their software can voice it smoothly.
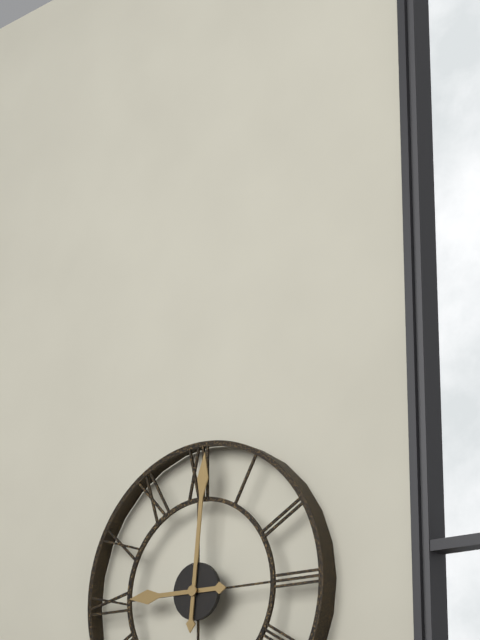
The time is 9h01
